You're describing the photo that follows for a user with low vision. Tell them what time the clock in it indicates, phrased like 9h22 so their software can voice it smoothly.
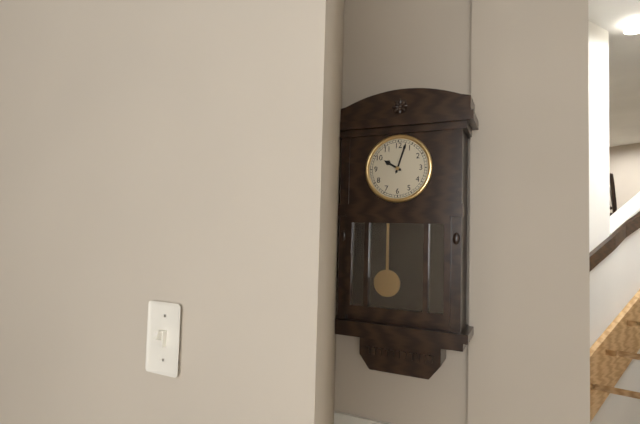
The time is 10h03
